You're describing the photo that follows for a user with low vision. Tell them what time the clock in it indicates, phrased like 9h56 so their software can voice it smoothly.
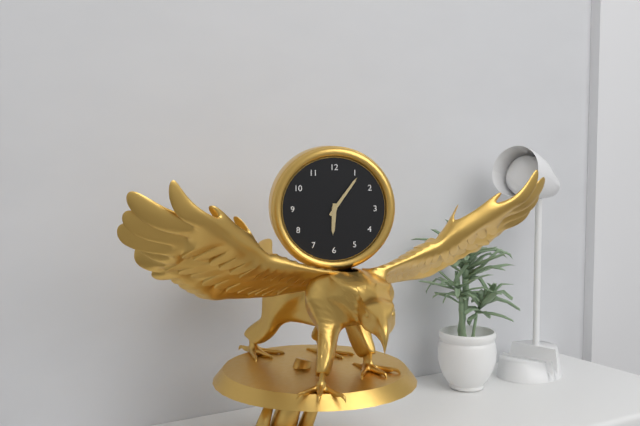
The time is 6h06
